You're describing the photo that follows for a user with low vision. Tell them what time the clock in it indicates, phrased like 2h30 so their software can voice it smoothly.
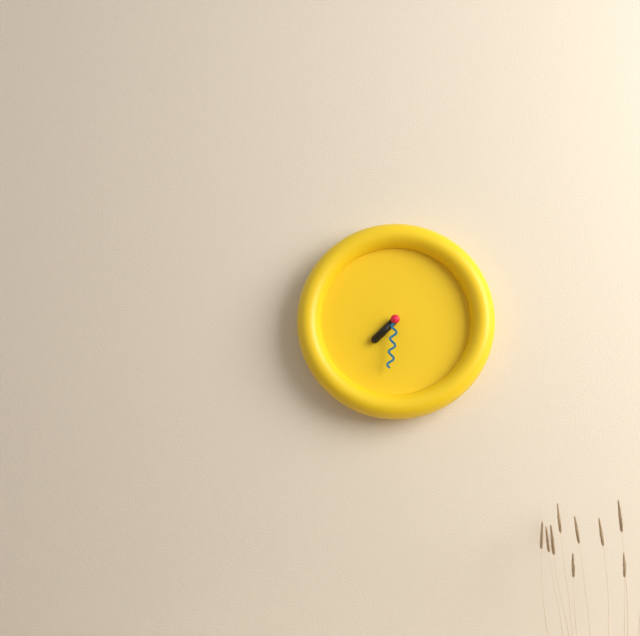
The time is 7h31
